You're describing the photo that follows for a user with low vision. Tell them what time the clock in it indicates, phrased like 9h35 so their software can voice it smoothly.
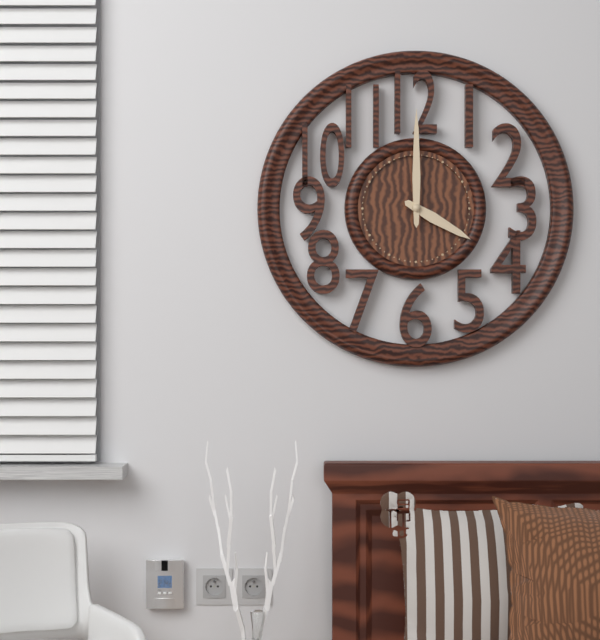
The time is 4h00
